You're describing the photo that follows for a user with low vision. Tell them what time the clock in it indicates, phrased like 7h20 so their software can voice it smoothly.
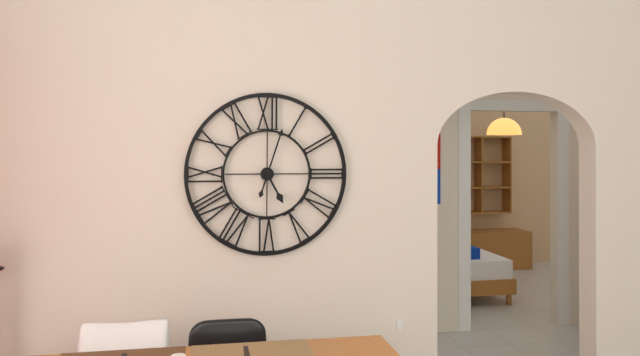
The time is 5h03
